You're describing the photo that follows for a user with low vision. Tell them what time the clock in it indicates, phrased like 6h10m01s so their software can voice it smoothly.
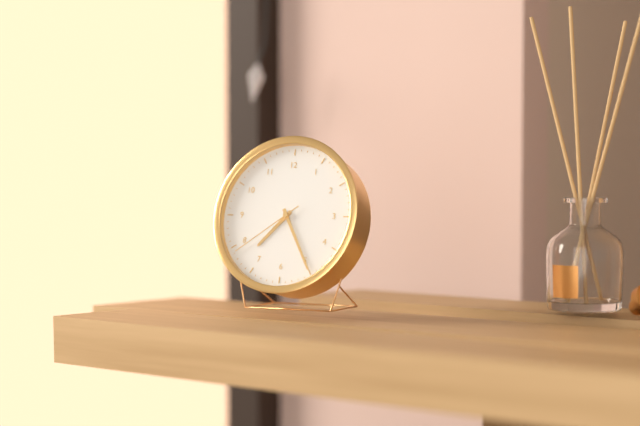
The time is 7h25m39s
